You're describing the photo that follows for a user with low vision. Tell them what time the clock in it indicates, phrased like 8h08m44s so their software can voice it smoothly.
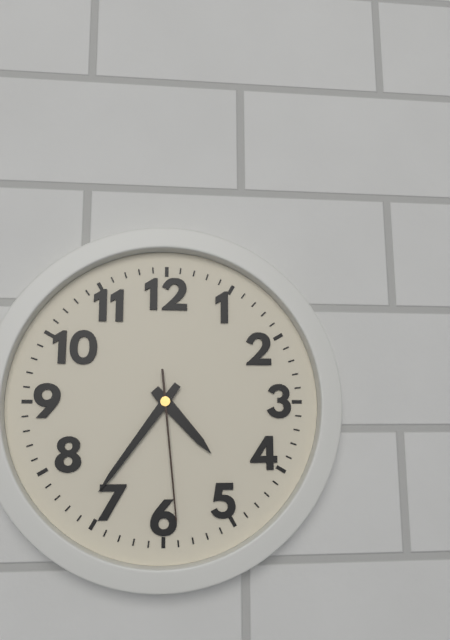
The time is 4h36m29s
